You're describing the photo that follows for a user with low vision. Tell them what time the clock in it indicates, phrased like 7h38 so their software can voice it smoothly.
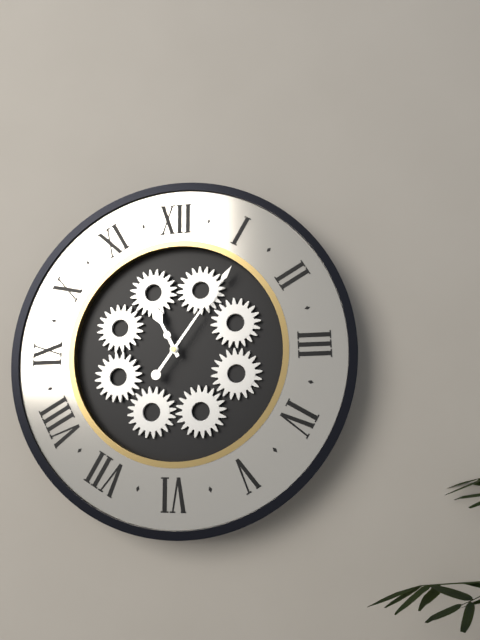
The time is 11h06
